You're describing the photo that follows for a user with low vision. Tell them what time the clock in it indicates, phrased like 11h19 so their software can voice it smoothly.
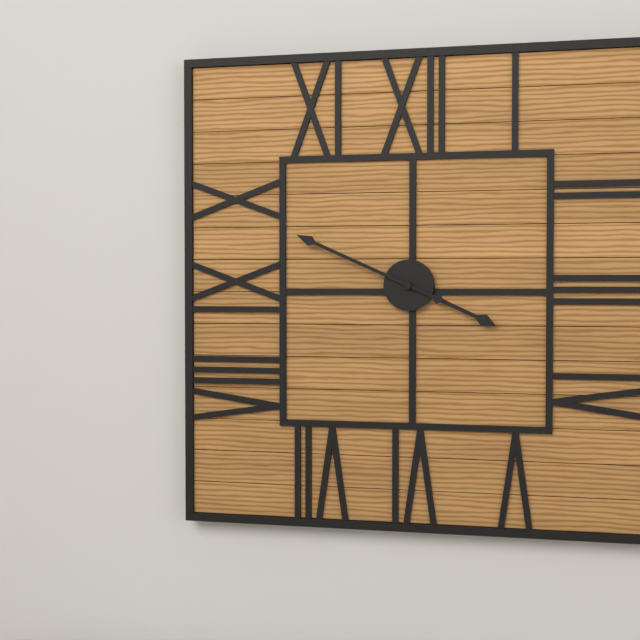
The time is 3h49
